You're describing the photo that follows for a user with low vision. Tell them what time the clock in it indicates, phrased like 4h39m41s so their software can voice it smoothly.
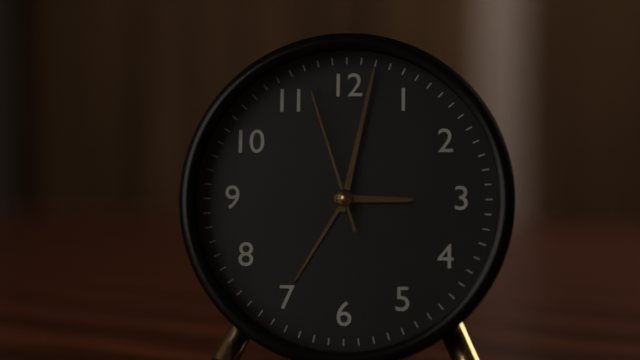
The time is 3h02m57s
